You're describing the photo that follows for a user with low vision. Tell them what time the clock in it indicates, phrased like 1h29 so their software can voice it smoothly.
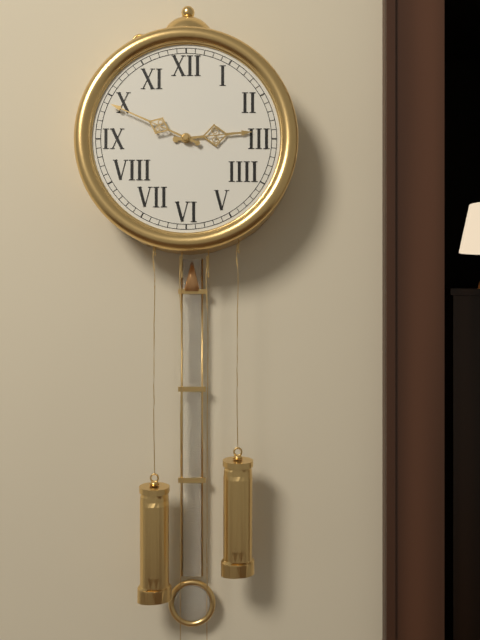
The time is 2h49
